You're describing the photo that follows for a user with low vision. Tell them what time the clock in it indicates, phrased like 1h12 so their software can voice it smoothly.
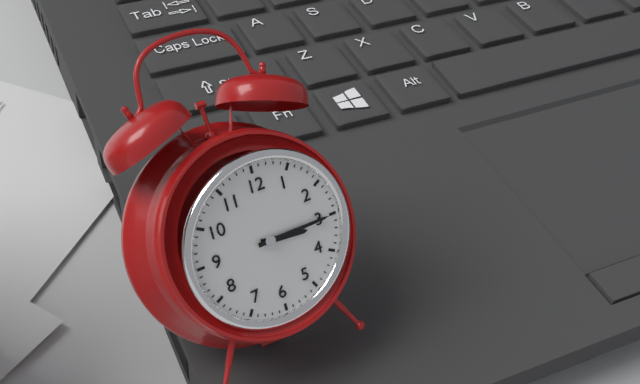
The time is 3h15
